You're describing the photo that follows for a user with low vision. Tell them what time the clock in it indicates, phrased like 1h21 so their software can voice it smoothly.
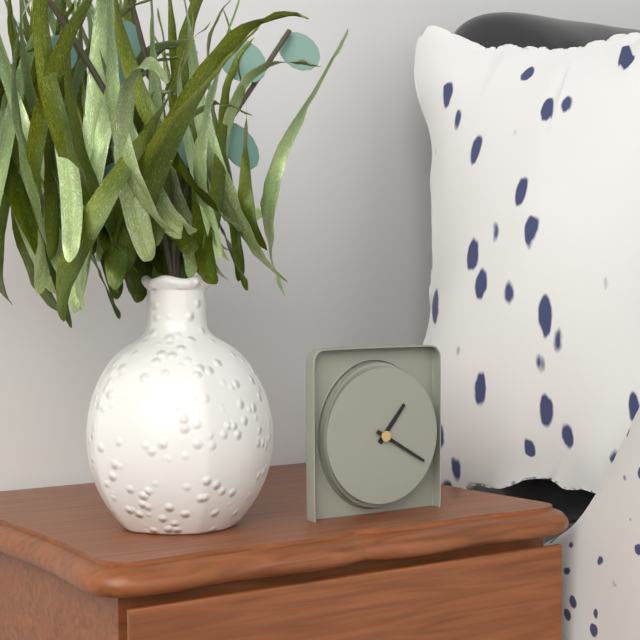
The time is 1h20
